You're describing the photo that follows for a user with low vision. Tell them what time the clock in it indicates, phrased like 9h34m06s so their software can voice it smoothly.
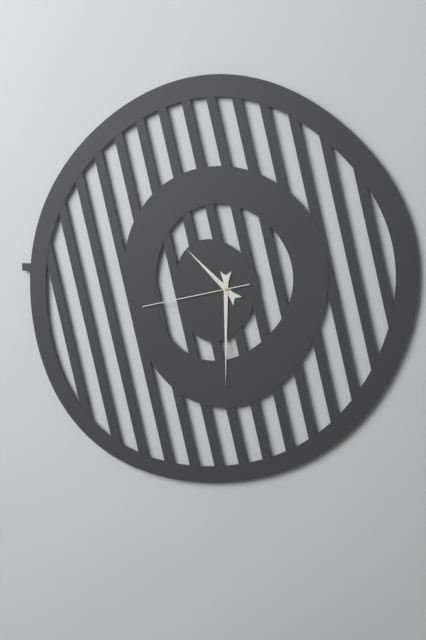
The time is 10h30m43s
